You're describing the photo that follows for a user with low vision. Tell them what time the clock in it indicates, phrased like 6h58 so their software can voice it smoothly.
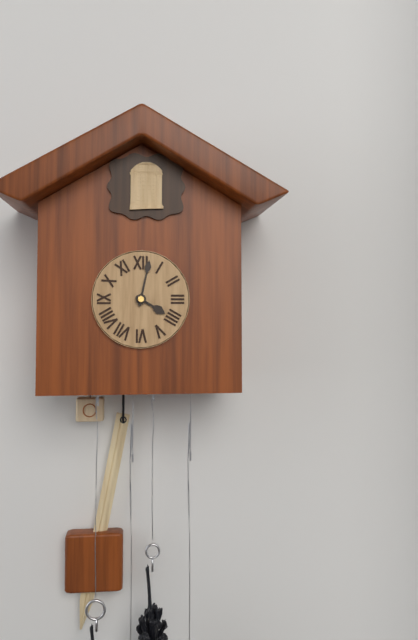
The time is 4h02
